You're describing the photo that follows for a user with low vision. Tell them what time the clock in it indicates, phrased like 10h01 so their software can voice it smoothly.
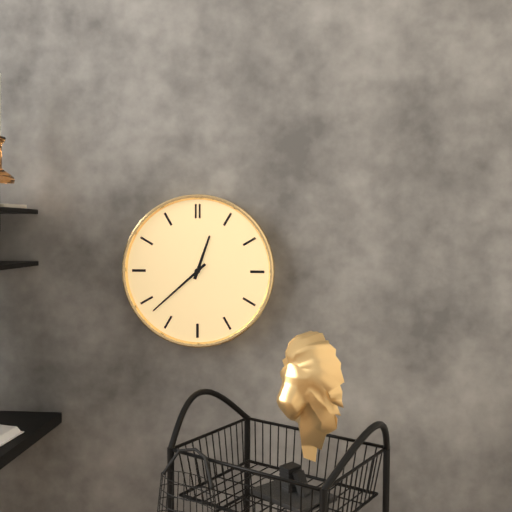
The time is 12h38
